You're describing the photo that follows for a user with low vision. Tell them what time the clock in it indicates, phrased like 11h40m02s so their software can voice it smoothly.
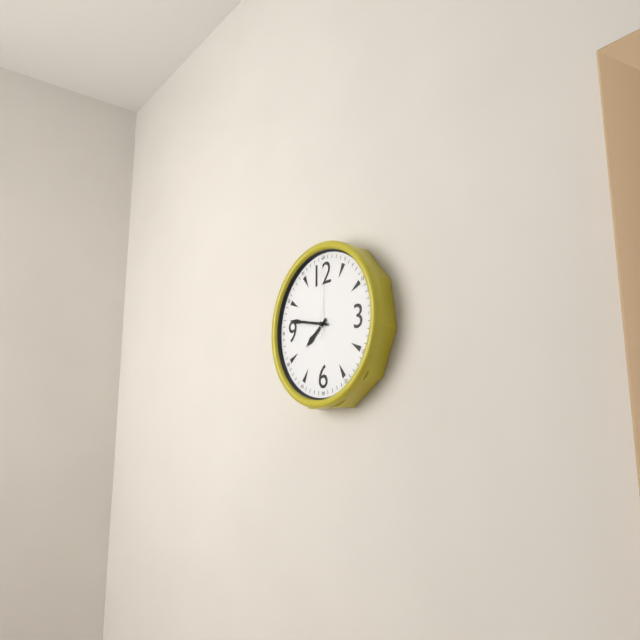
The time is 7h47m00s
